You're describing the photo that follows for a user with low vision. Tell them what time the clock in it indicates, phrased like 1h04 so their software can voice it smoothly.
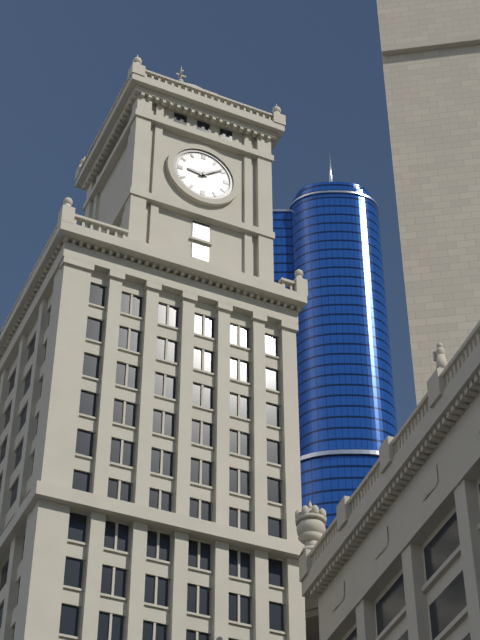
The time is 9h09
